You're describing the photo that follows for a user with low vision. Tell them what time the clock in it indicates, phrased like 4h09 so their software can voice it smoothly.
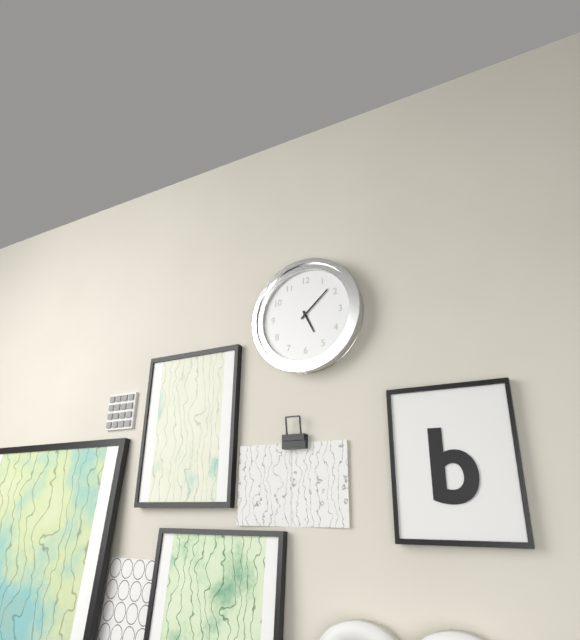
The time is 5h08
